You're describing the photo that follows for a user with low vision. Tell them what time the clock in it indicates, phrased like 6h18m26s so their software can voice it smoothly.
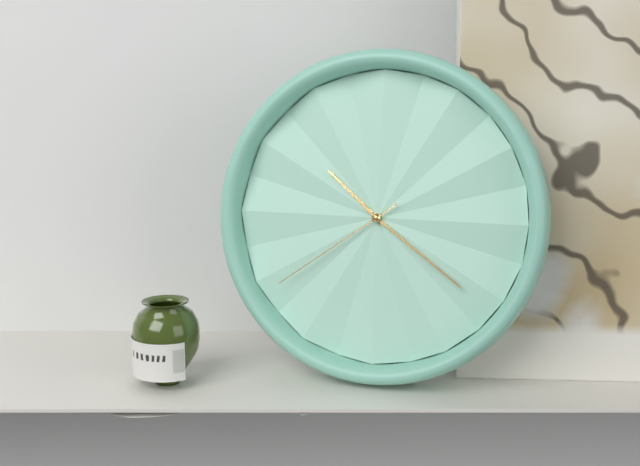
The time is 10h21m39s
